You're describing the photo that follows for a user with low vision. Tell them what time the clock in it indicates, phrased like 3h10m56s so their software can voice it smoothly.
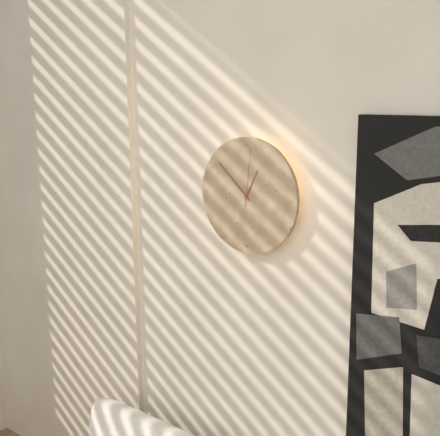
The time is 12h52m01s
